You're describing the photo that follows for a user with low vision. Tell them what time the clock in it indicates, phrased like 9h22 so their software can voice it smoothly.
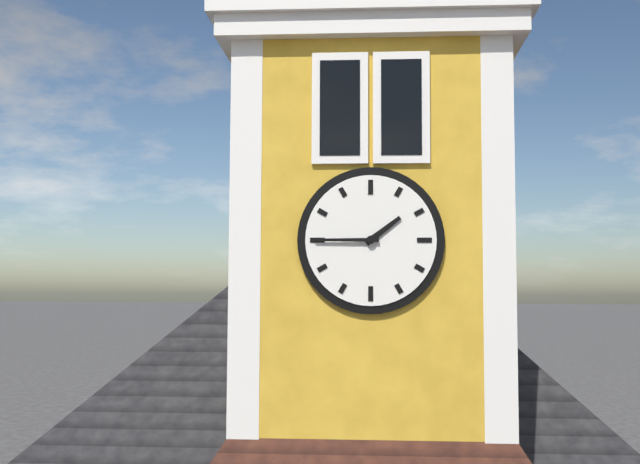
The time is 1h45
